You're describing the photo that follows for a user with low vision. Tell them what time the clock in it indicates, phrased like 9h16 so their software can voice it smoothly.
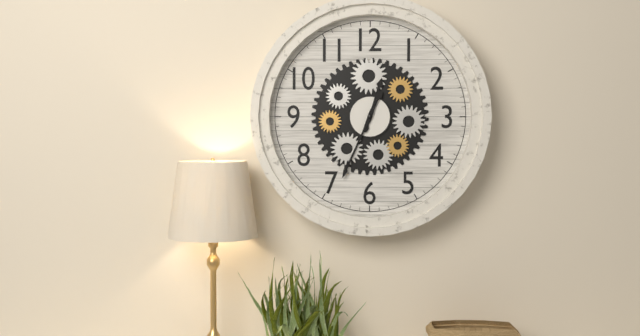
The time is 12h34
